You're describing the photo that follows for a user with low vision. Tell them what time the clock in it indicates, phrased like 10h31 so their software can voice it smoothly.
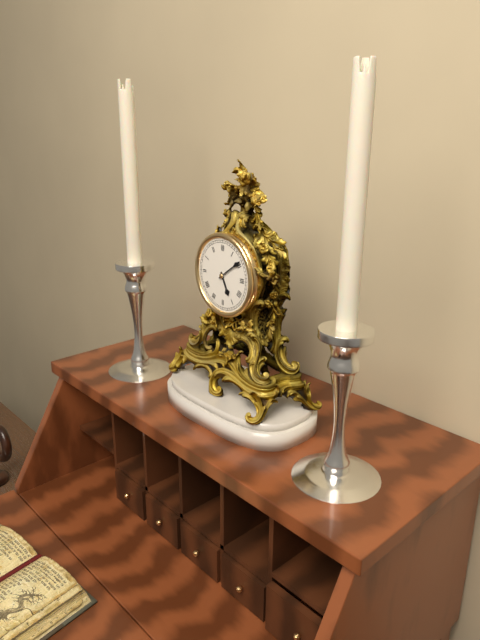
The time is 5h09
